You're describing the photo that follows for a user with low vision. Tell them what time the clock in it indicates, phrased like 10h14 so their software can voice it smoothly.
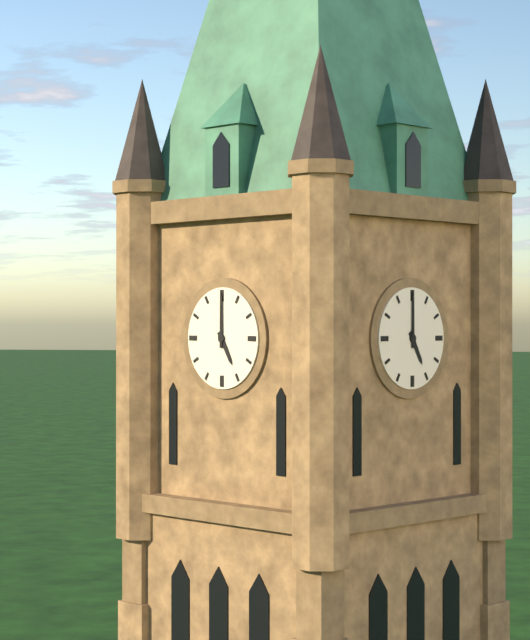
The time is 5h00
